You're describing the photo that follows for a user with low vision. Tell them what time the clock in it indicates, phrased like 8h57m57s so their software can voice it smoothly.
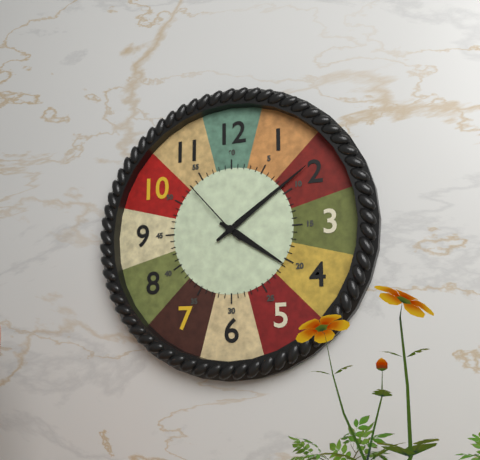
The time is 4h09m53s
